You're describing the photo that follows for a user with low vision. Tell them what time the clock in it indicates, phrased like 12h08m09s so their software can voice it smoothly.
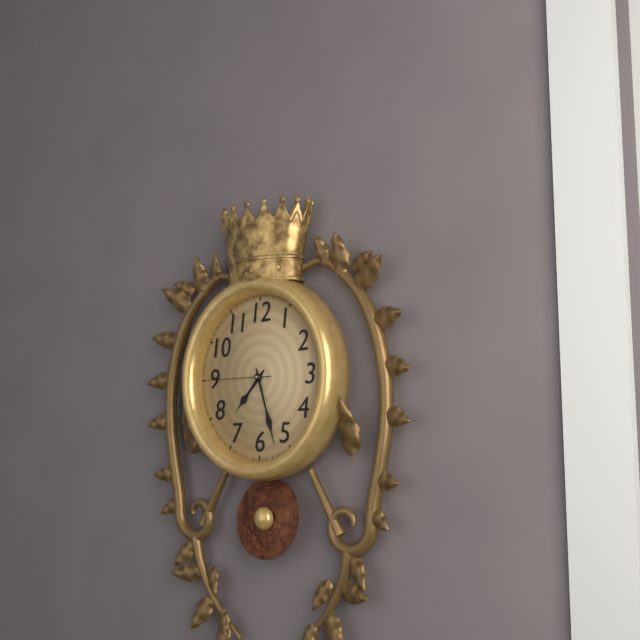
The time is 7h27m45s
